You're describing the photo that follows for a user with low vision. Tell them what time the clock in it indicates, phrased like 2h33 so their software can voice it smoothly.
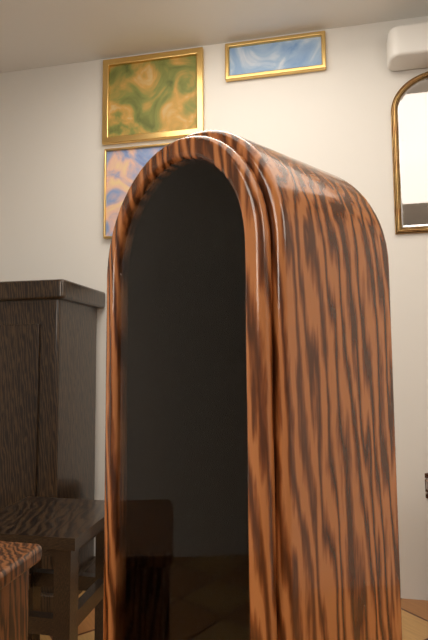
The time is 4h08
